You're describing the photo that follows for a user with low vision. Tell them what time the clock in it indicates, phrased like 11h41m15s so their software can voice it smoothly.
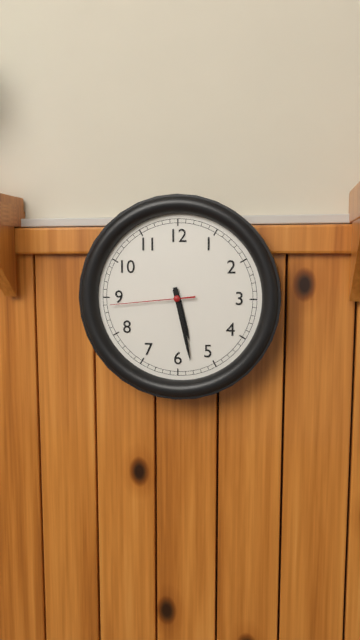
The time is 5h28m44s
